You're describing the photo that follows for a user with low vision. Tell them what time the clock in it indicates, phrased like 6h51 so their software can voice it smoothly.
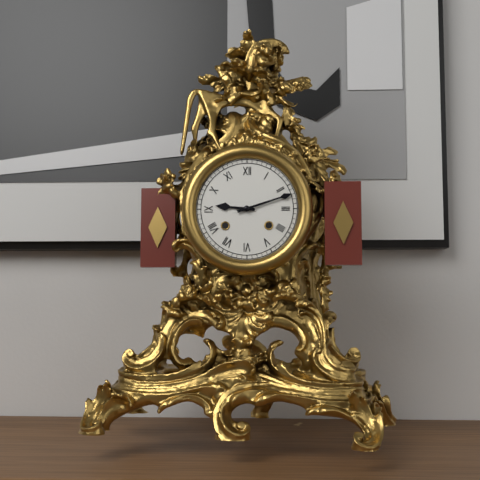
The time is 9h12
